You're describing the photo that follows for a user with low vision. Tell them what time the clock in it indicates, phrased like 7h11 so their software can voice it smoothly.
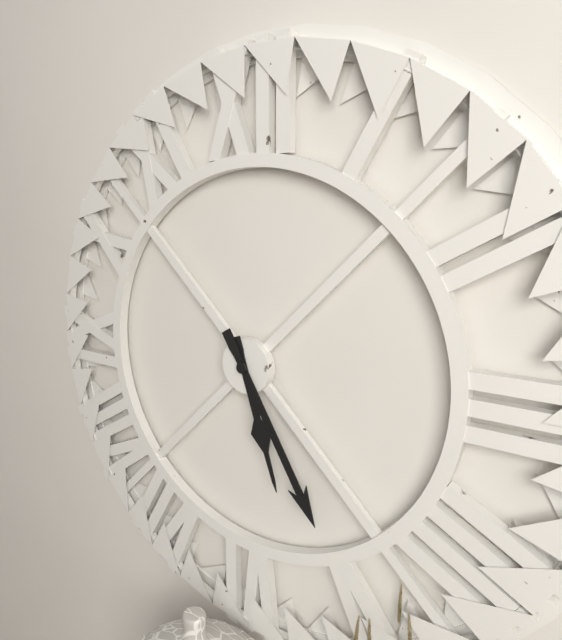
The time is 5h25
